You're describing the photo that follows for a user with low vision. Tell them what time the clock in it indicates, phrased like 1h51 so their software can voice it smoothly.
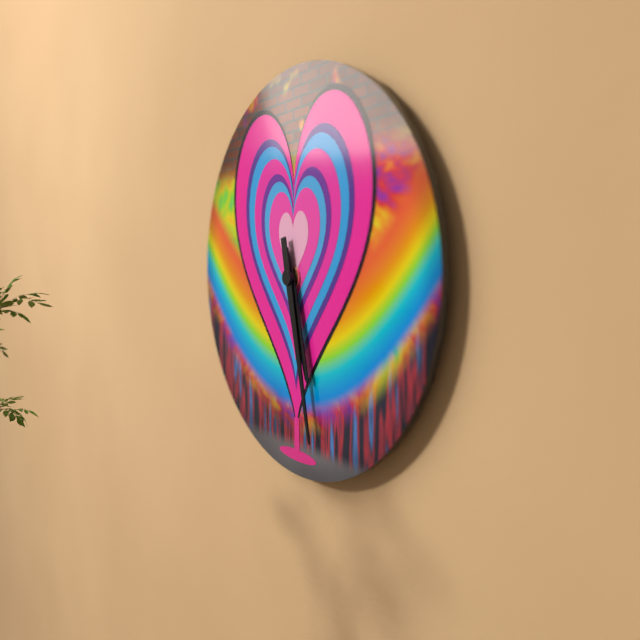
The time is 5h28
